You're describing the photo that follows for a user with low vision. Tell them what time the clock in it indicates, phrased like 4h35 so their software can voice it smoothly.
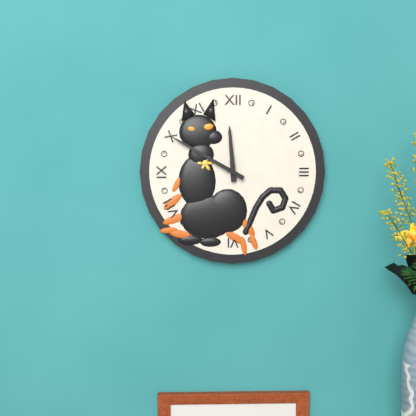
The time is 11h50
